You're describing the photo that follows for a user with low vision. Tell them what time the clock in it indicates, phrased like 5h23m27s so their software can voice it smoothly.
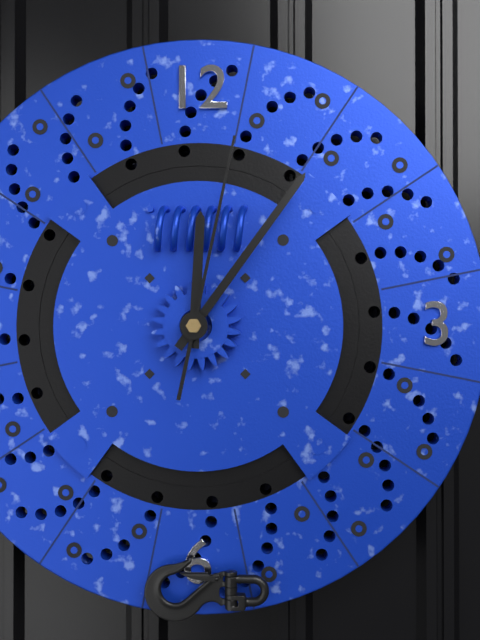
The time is 12h06m02s
